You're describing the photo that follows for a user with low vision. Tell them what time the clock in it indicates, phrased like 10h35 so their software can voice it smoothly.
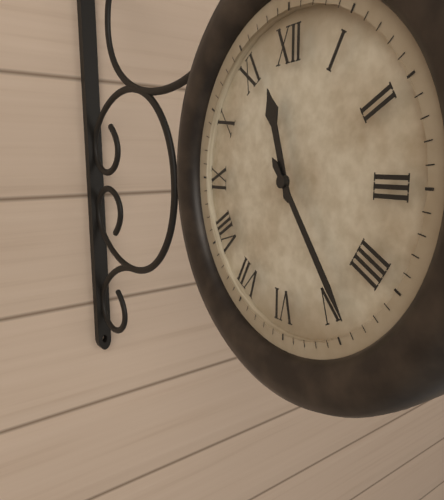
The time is 11h24
